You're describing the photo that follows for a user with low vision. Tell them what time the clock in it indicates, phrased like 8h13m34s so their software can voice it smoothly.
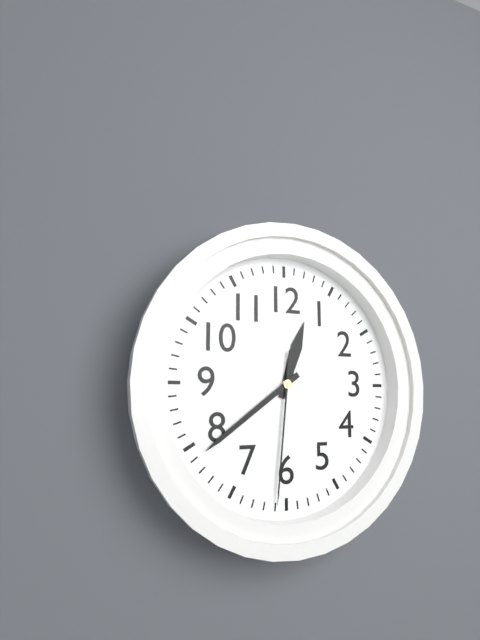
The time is 12h39m31s
